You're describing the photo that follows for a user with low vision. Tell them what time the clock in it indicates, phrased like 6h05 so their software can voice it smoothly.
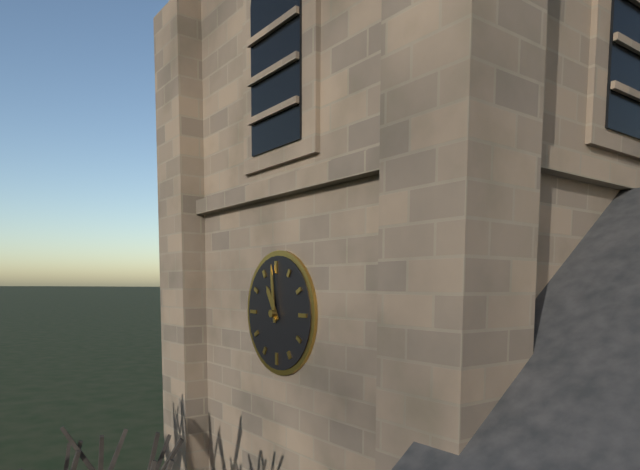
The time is 10h59
